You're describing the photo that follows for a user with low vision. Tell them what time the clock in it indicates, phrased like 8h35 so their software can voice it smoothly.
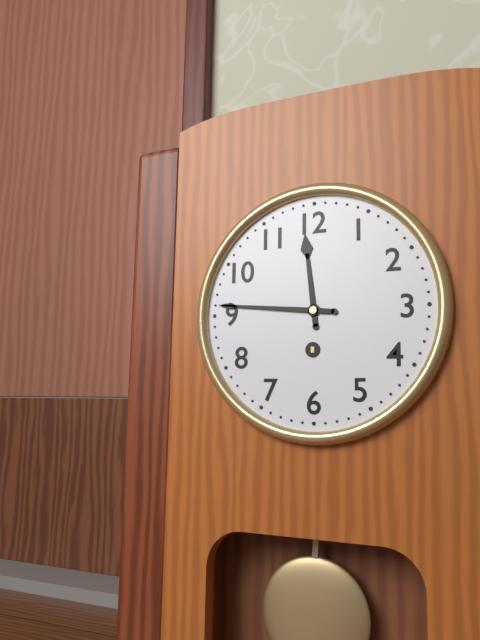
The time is 11h46
